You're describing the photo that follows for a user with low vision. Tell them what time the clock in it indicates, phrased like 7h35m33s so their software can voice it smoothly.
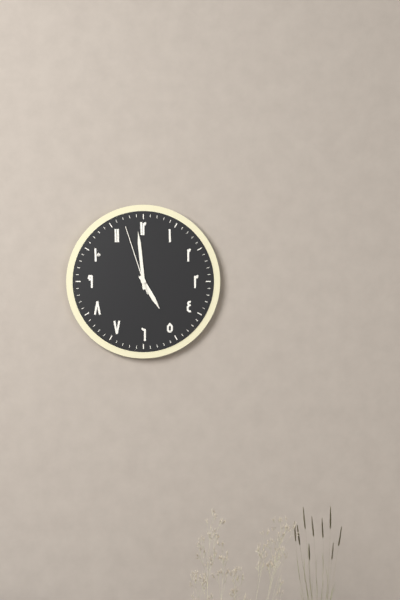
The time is 4h59m57s
